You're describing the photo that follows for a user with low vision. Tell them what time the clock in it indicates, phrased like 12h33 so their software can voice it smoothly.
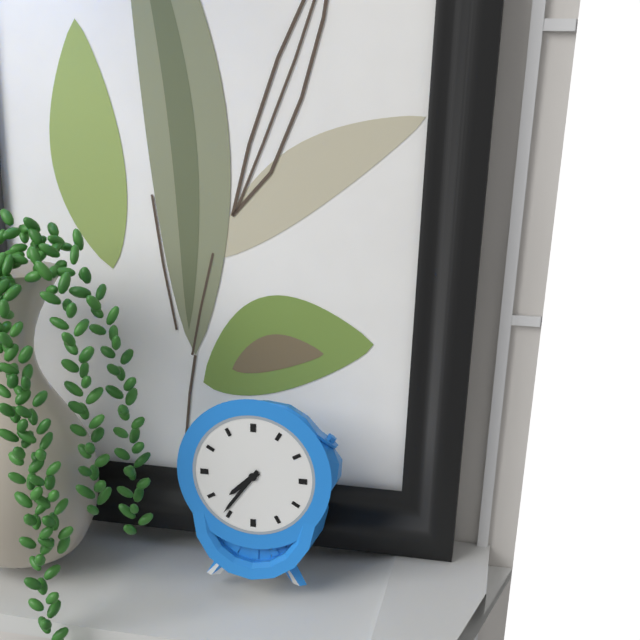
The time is 7h36
